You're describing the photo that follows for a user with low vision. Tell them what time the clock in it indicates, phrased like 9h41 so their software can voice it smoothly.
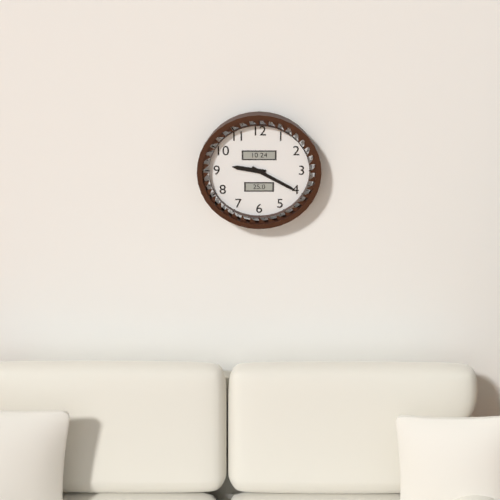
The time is 9h20
